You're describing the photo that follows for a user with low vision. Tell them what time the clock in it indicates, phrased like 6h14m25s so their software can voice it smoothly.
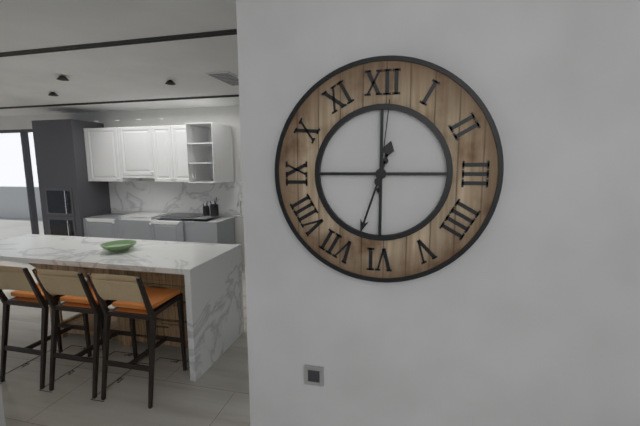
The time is 12h33m01s
